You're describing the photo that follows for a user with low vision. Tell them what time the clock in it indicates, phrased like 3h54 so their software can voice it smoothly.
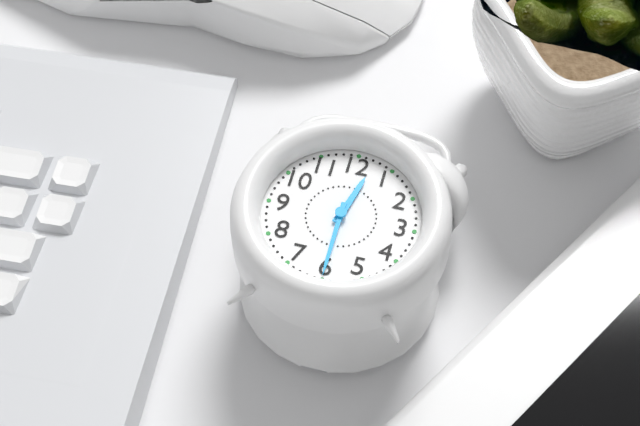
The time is 12h30
